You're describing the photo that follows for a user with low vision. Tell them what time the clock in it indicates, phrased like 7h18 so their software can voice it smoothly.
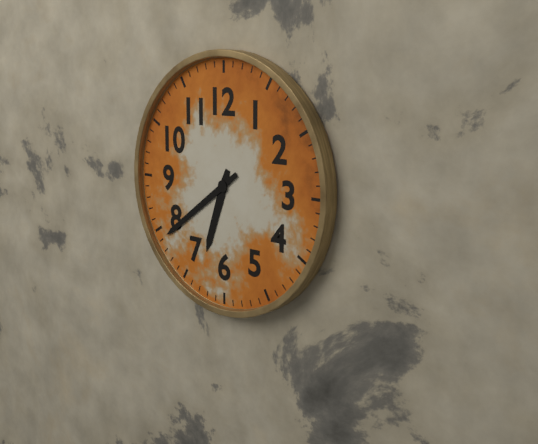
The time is 6h39
